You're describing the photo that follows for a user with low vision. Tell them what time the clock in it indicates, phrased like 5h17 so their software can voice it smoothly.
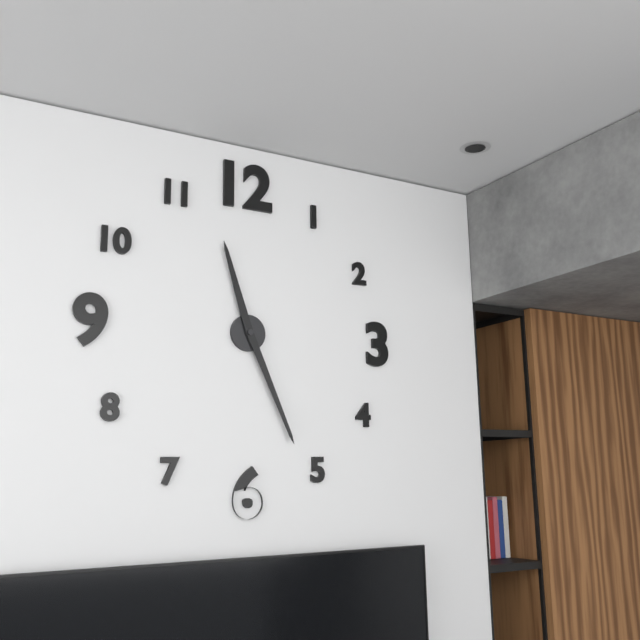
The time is 11h26
